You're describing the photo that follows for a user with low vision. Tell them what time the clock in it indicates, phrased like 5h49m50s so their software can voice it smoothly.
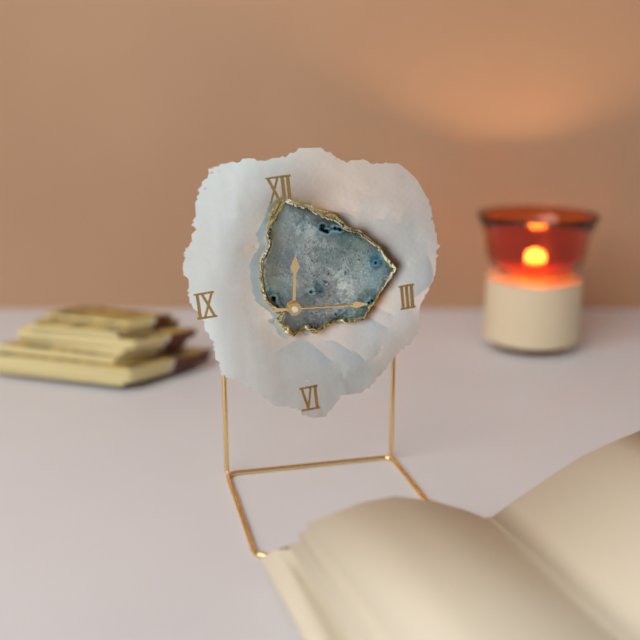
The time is 12h16m16s
